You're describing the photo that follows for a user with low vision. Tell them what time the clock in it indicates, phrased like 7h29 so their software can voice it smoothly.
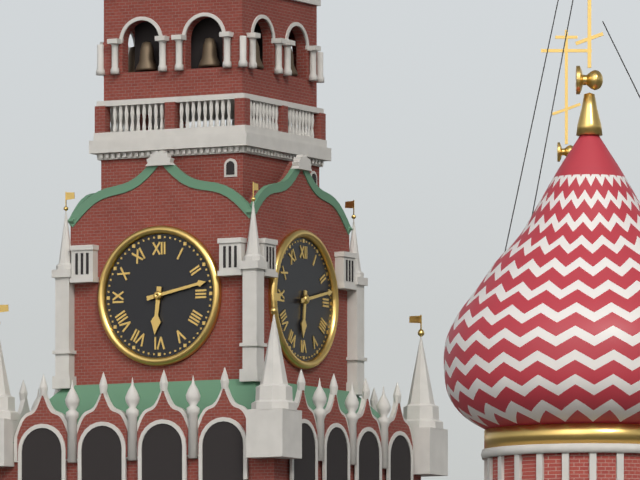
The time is 6h13
